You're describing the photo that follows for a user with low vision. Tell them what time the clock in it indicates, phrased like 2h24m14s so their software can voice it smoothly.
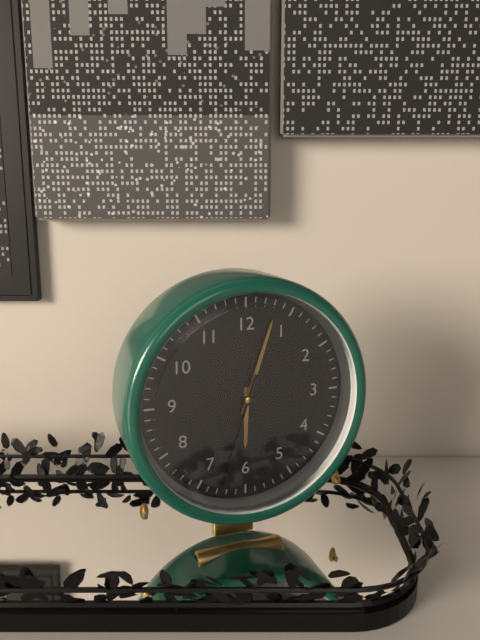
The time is 6h03m33s
